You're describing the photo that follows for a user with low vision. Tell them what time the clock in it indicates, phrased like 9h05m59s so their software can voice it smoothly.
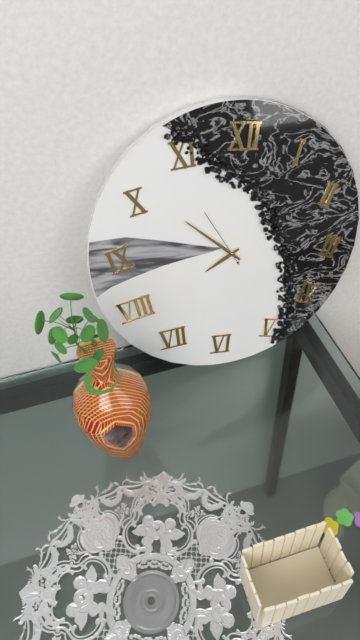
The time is 7h51m54s
